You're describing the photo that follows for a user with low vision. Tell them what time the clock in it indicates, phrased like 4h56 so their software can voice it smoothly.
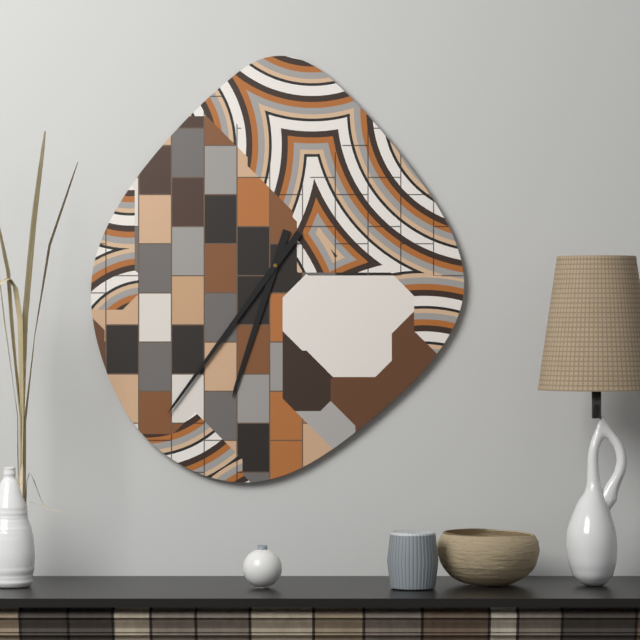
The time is 6h36
